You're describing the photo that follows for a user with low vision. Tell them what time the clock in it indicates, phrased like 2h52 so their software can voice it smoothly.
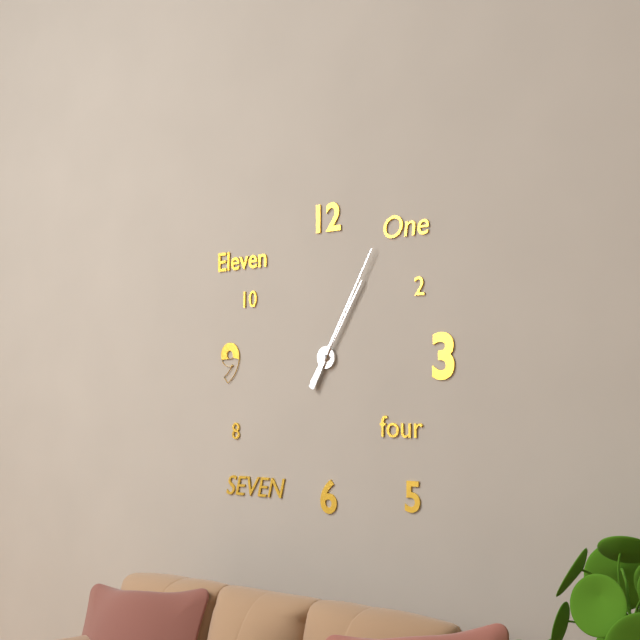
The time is 1h05
